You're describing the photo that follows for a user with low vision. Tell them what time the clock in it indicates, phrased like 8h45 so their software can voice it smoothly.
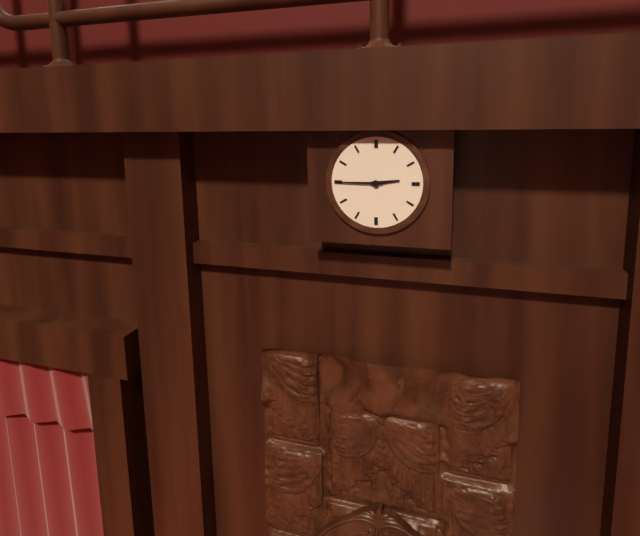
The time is 2h45
